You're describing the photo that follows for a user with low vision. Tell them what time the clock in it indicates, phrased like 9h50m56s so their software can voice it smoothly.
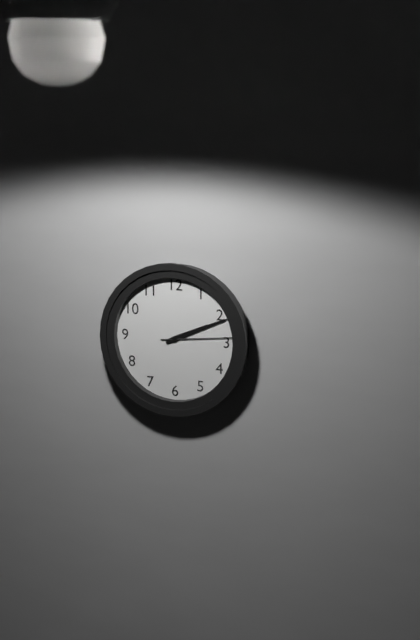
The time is 2h11m14s
